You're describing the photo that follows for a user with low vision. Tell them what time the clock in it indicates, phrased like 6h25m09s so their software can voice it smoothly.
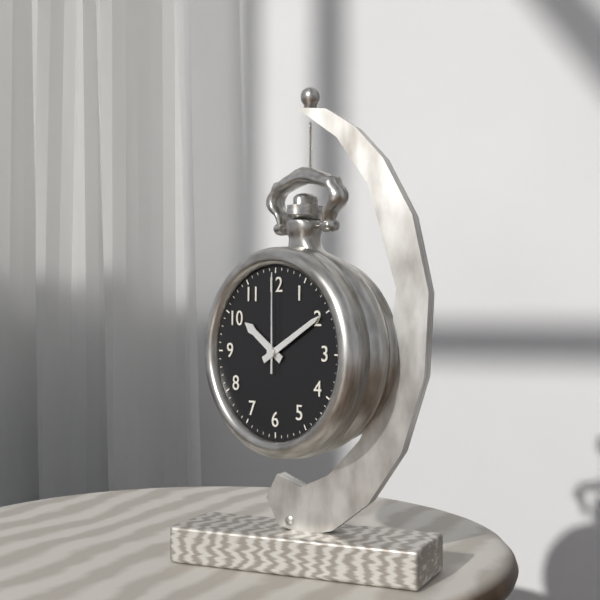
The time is 10h10m00s
